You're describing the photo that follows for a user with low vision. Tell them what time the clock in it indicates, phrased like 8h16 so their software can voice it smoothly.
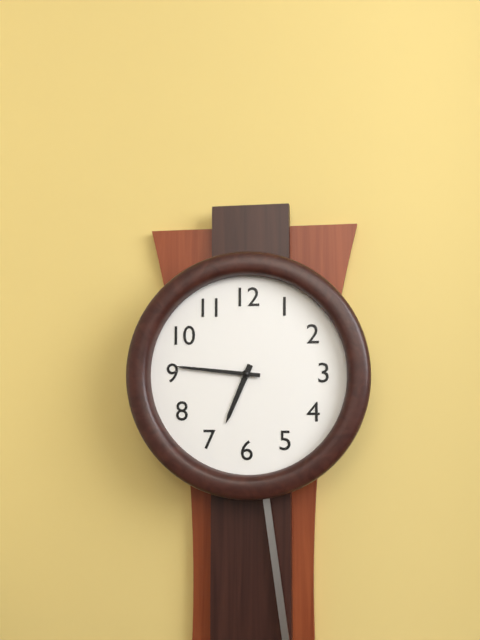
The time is 6h46
